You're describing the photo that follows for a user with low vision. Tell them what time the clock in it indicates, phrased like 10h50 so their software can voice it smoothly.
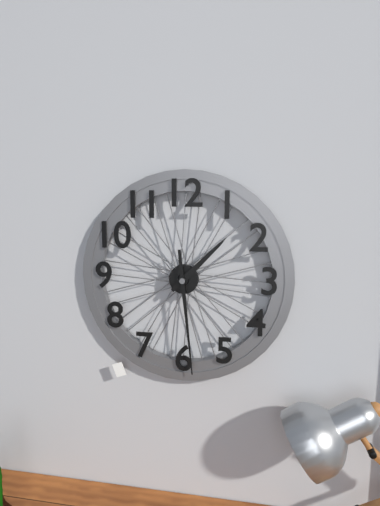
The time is 1h29
